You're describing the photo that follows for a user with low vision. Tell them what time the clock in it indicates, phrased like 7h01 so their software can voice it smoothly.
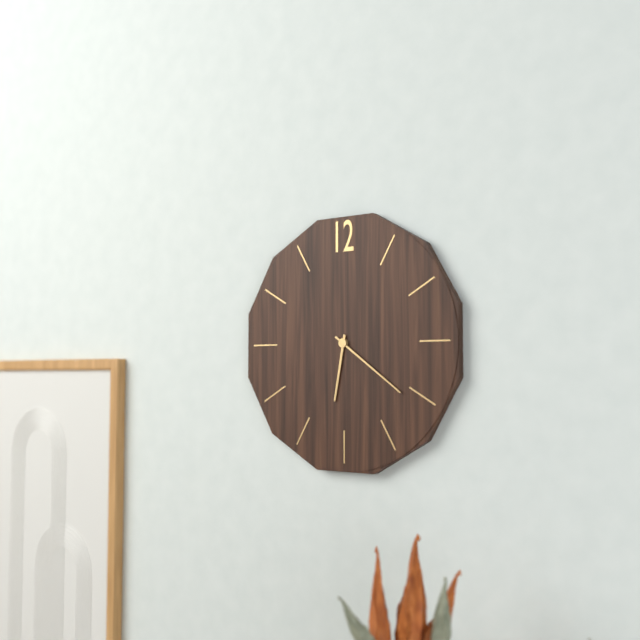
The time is 6h21
